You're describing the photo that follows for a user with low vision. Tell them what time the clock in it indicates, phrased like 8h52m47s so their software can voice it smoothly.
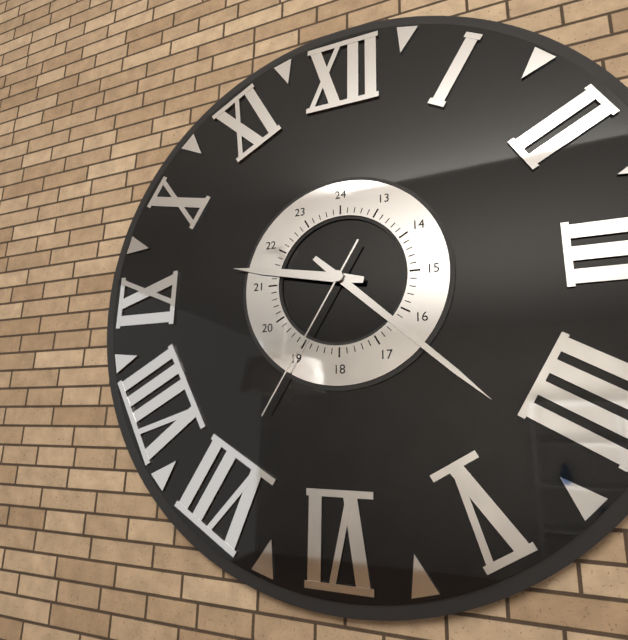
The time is 9h22m35s
